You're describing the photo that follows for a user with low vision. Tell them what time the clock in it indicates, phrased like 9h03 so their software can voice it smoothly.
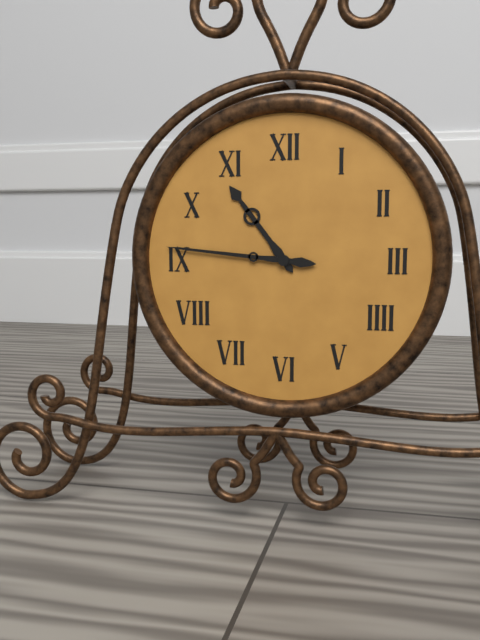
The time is 10h46
